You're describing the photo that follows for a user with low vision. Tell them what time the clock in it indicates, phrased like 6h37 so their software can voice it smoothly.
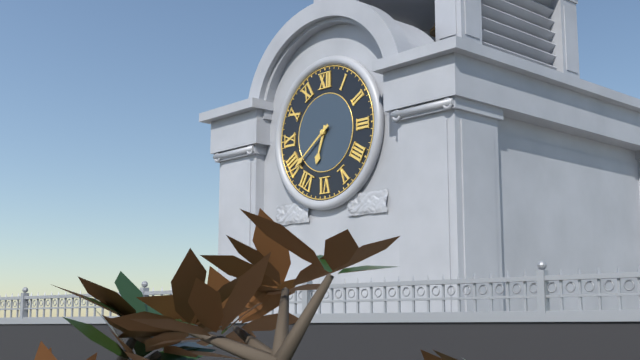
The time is 6h39
